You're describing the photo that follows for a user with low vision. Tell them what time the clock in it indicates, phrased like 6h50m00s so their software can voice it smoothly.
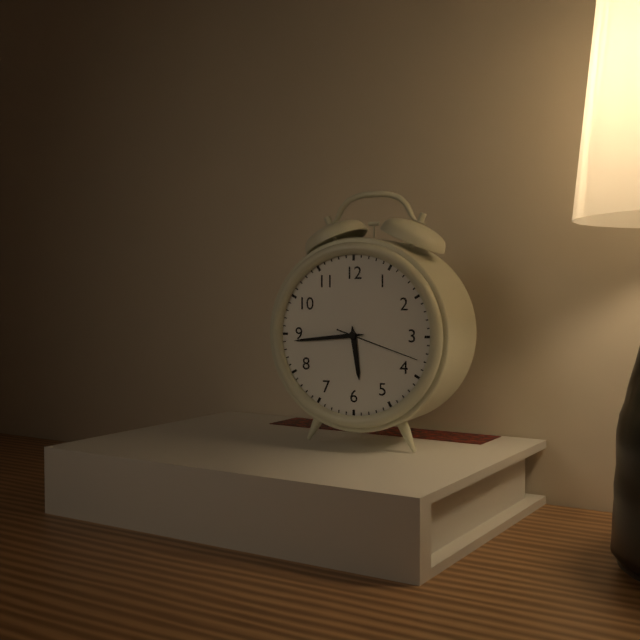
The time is 5h44m18s
